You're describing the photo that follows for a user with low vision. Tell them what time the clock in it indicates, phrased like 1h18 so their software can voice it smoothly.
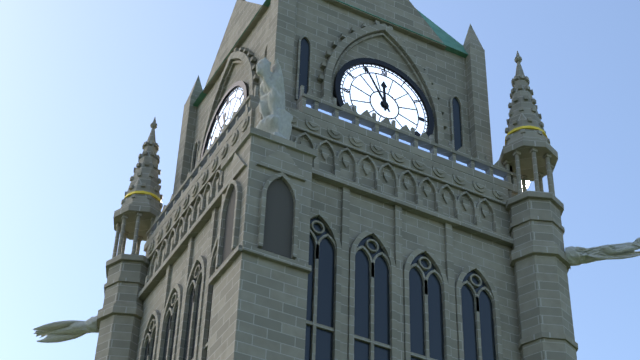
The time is 11h55
